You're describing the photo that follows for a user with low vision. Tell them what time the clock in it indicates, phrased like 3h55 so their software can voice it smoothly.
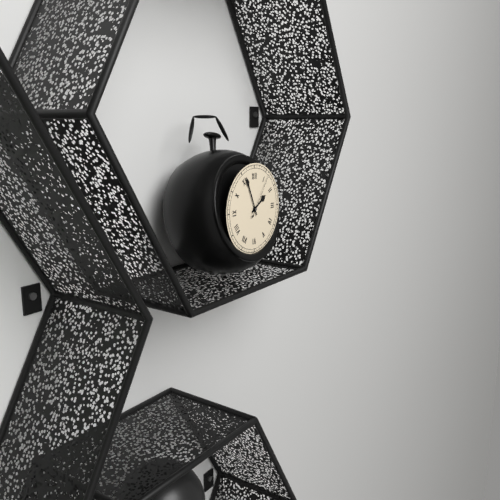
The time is 1h56
